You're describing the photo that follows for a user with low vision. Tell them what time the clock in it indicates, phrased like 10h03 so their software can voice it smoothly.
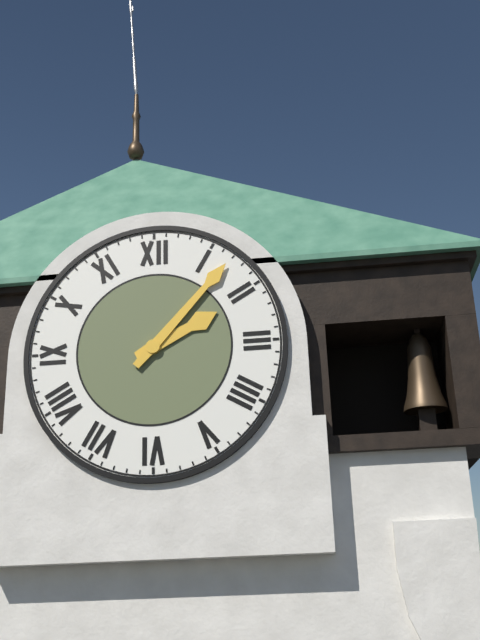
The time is 2h07
